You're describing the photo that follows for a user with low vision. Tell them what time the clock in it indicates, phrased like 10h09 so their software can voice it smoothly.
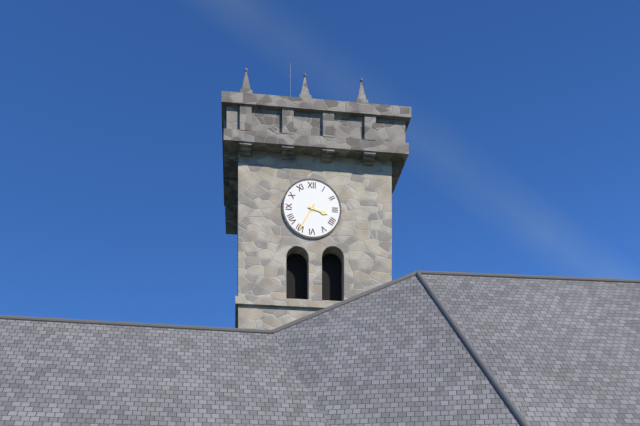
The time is 3h35
